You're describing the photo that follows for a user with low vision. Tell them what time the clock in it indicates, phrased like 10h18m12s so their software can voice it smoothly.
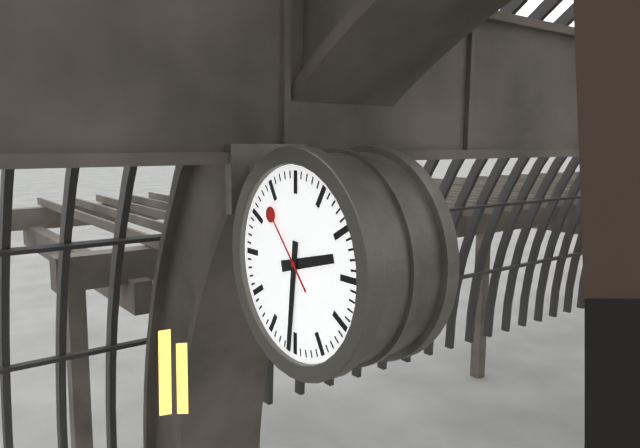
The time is 2h31m53s
